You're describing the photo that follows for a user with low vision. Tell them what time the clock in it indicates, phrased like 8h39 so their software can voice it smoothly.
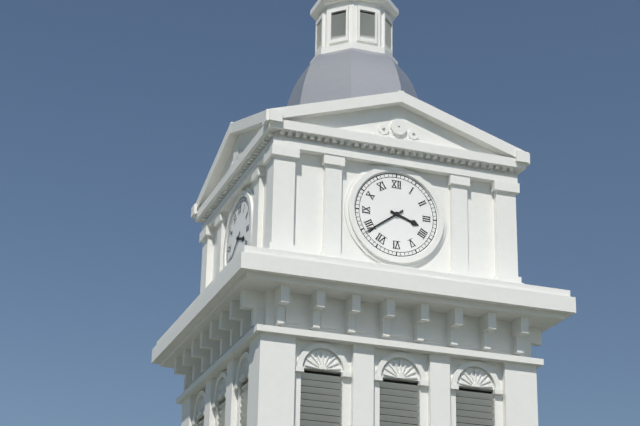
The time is 3h39
